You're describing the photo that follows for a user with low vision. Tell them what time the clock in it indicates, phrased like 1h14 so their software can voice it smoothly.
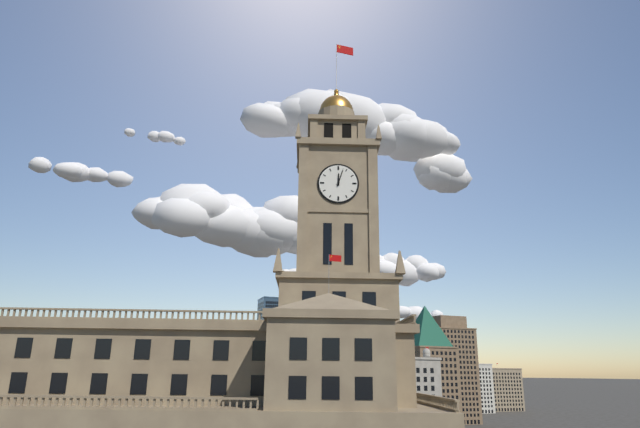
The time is 12h03
